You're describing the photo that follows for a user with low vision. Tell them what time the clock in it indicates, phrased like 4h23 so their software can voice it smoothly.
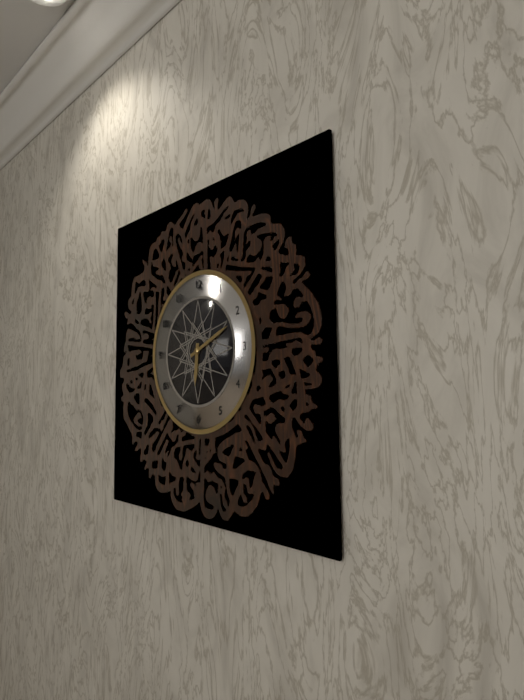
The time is 6h11
